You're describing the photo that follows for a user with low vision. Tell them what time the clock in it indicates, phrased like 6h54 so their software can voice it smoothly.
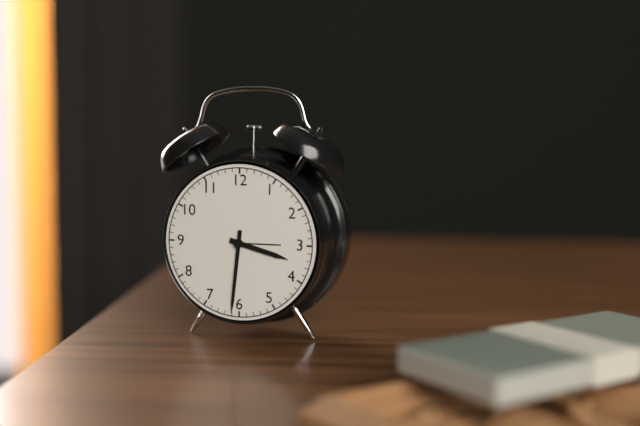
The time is 3h31
